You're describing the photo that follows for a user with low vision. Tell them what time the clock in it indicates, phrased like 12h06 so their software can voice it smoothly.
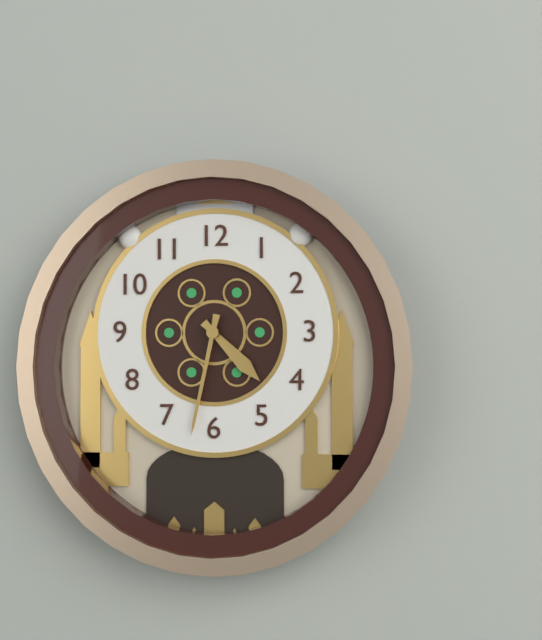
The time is 4h32
